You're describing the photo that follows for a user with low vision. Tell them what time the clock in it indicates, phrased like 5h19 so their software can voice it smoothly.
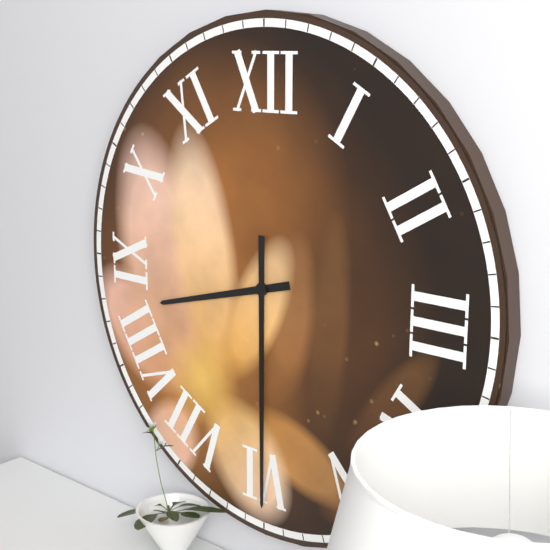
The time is 8h30
